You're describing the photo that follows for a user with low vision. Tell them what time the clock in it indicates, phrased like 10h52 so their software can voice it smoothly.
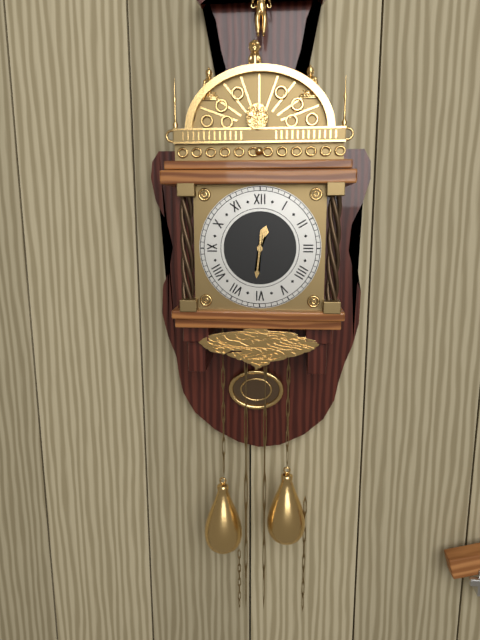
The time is 12h31
